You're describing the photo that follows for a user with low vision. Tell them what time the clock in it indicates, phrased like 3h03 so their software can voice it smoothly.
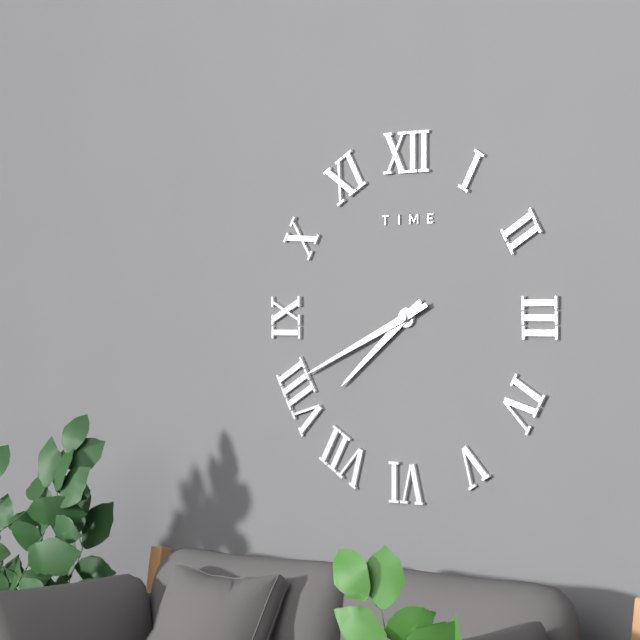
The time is 7h41
